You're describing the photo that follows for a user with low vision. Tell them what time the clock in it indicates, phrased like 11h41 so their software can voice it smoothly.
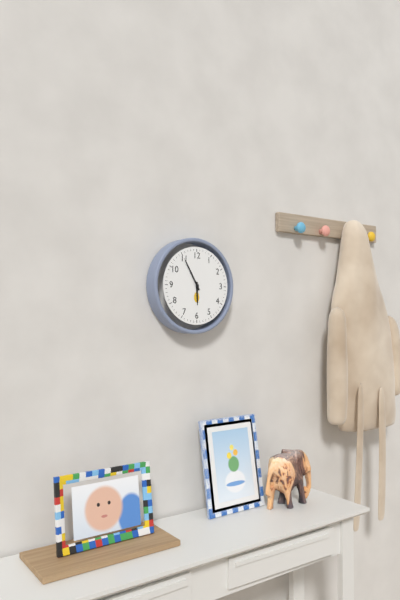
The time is 5h55
